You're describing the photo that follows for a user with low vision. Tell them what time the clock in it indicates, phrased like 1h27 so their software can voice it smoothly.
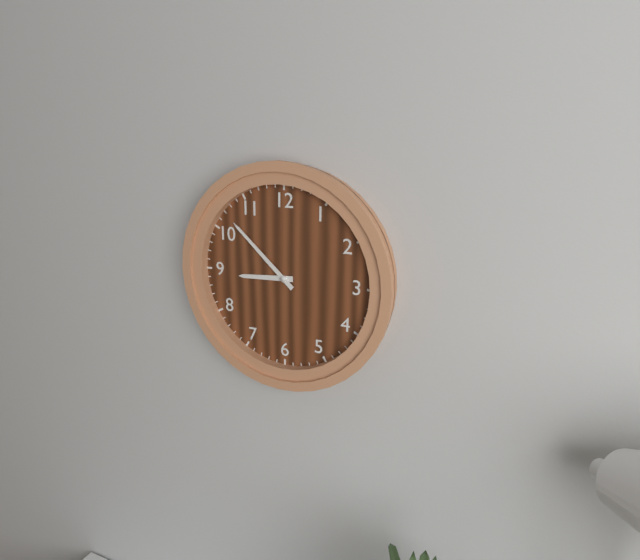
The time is 8h52
